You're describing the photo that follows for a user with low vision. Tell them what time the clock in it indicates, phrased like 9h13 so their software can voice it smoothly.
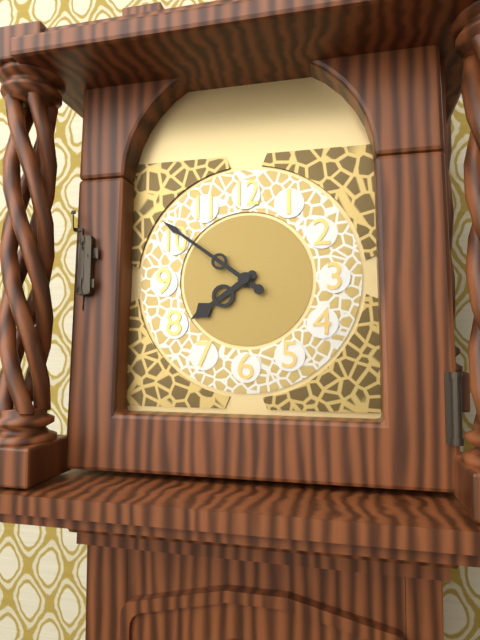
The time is 7h51
